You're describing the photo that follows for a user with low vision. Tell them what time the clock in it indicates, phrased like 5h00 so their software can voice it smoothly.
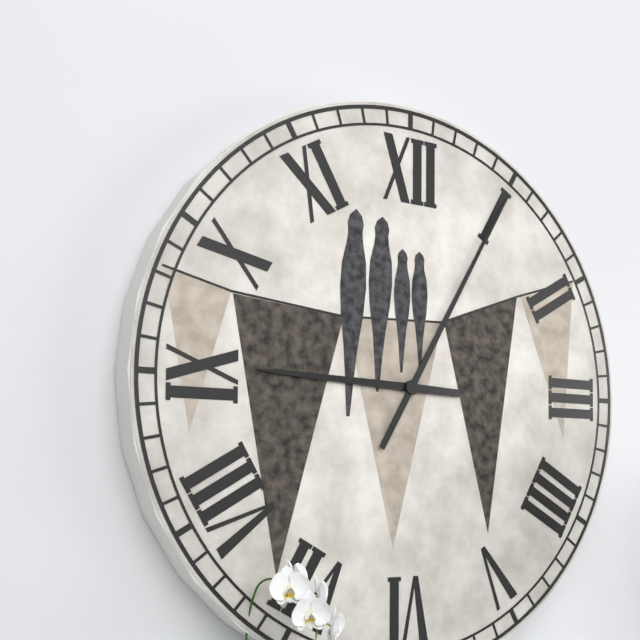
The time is 9h05
